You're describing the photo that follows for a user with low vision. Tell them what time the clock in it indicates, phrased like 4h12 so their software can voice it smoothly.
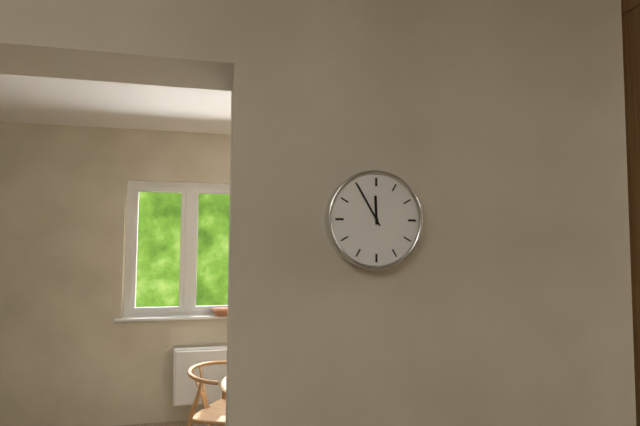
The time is 11h55
